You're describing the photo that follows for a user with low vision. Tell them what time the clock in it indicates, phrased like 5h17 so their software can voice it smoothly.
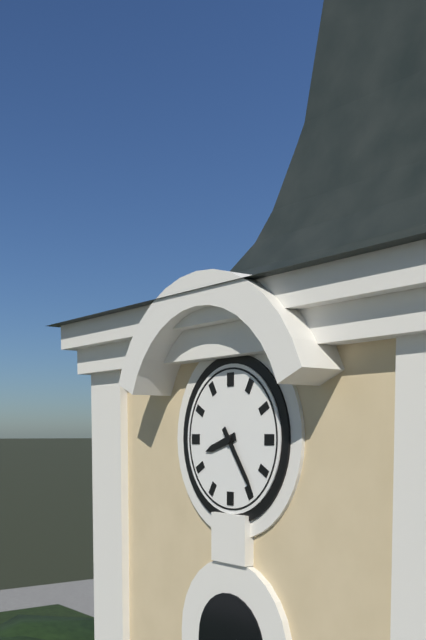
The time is 8h24
